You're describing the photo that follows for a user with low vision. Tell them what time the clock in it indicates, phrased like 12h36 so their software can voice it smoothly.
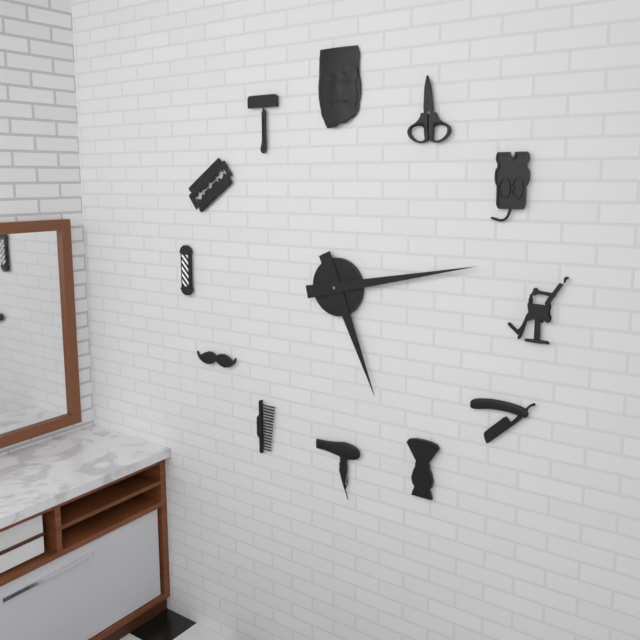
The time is 5h13
